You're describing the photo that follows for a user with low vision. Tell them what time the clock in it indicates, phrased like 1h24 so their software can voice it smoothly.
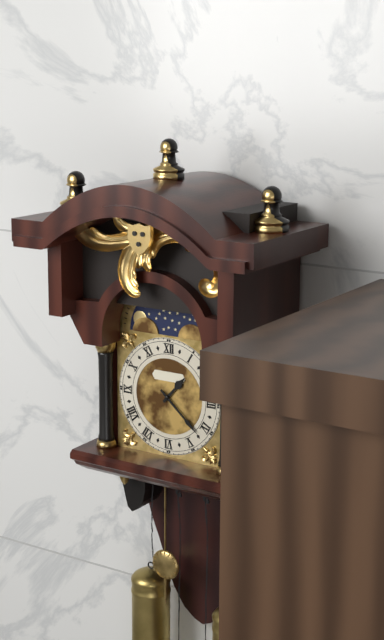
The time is 1h22
